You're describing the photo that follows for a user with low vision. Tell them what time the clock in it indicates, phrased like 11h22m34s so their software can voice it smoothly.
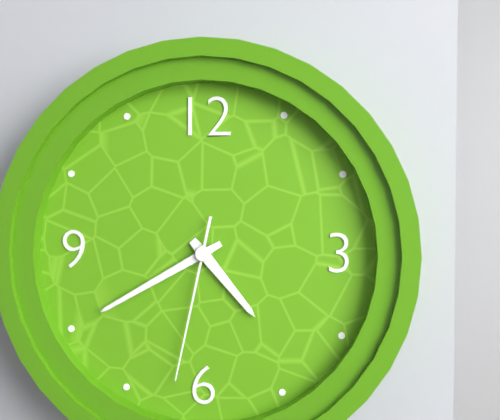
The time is 4h40m32s
